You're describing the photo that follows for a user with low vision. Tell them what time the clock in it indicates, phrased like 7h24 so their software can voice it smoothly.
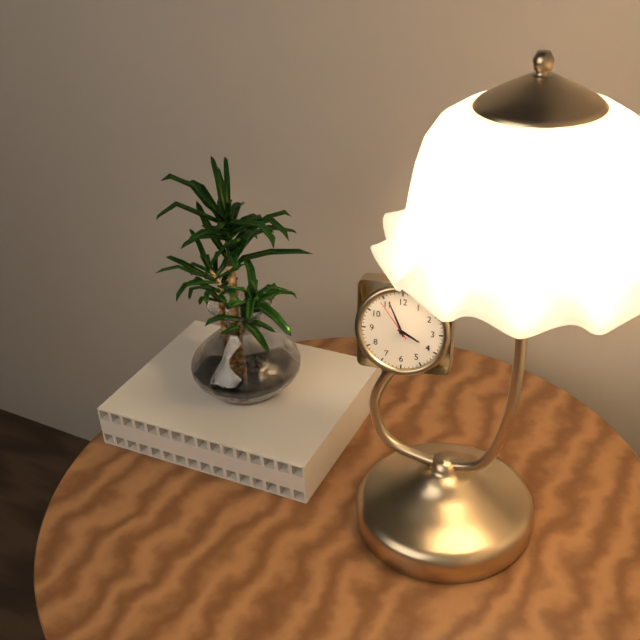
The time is 3h56
